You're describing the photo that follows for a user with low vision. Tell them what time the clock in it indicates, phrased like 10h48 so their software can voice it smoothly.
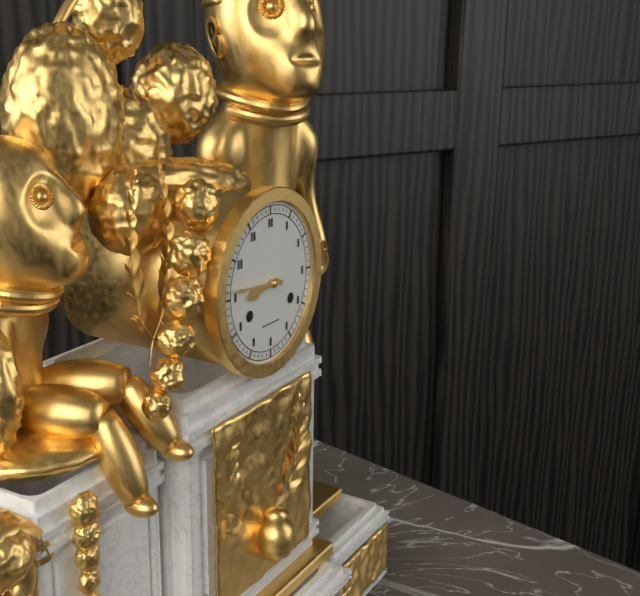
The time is 8h46
